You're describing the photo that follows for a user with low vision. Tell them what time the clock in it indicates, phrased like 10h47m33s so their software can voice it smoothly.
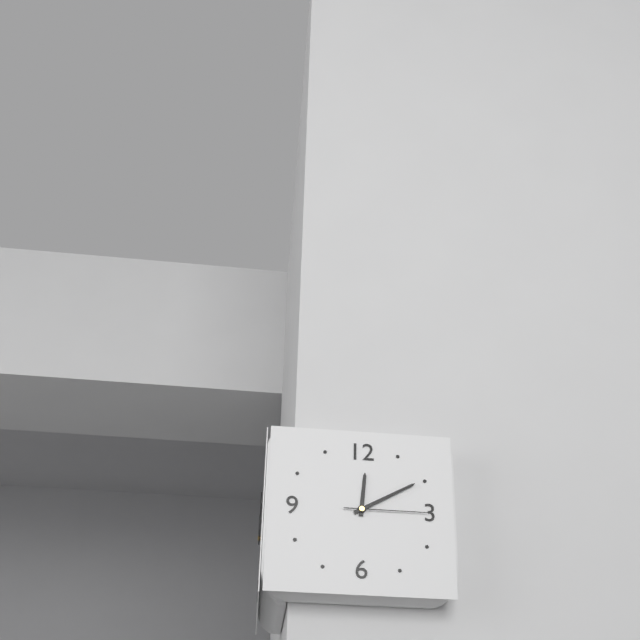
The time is 12h10m15s
